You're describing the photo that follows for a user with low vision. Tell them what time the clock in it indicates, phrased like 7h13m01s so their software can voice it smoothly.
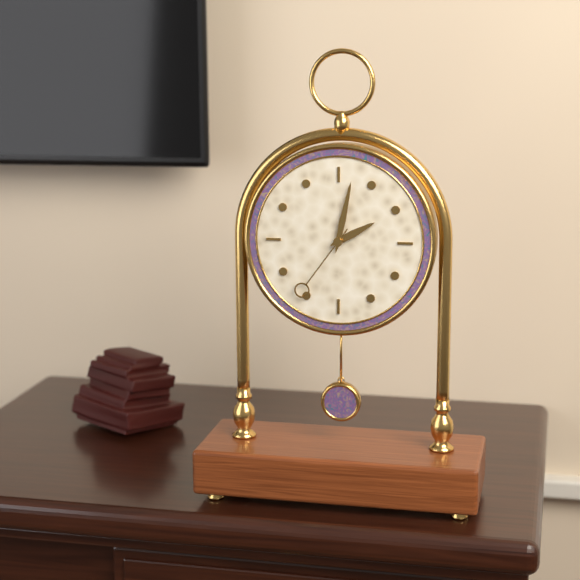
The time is 2h02m36s
